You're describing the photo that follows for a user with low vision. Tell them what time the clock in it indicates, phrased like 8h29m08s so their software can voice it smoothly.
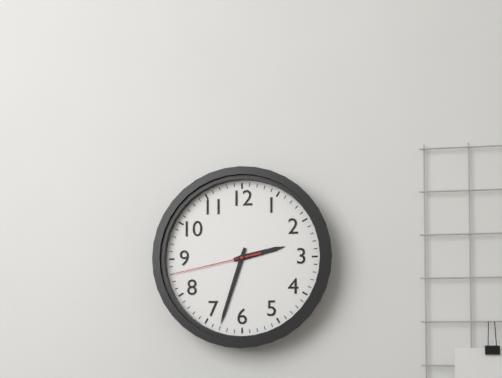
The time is 2h33m43s
